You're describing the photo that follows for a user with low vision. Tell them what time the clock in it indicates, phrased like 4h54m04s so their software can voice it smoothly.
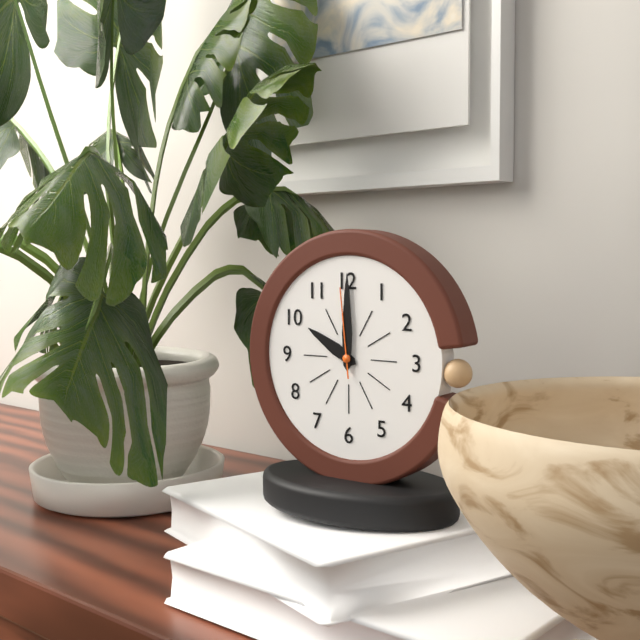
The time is 10h00m59s
